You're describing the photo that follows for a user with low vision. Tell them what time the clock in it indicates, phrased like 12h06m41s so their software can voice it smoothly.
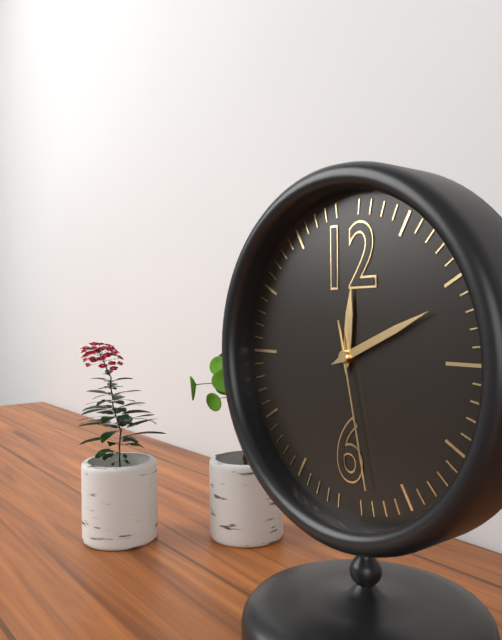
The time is 12h11m28s
